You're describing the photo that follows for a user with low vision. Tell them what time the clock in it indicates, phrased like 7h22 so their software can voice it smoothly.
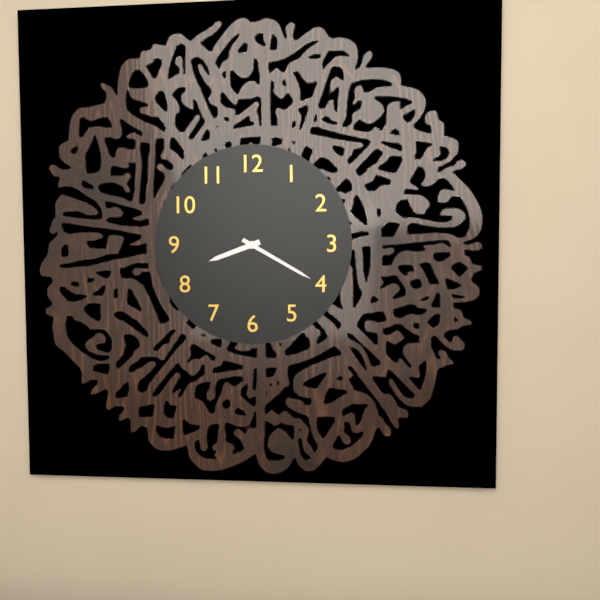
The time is 8h20
